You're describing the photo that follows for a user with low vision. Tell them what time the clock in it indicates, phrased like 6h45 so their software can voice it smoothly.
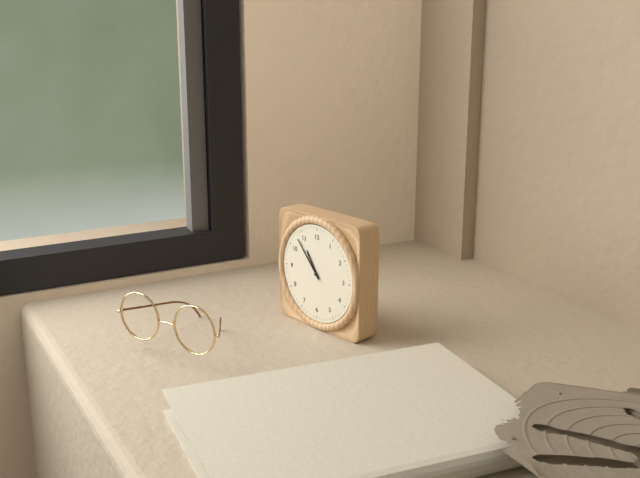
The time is 10h53
